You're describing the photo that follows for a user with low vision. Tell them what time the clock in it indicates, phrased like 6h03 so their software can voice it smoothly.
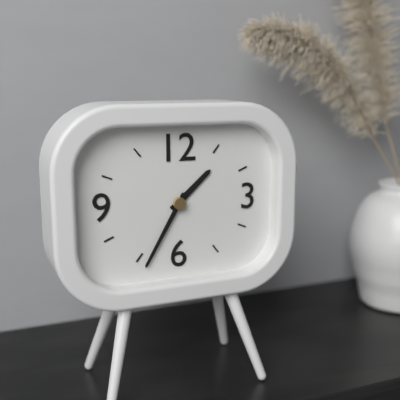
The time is 1h35
